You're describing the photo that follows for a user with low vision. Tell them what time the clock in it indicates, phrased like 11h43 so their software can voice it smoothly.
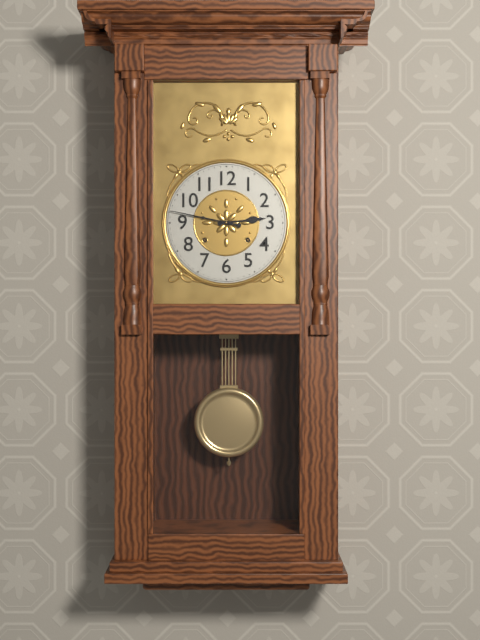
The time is 2h47
